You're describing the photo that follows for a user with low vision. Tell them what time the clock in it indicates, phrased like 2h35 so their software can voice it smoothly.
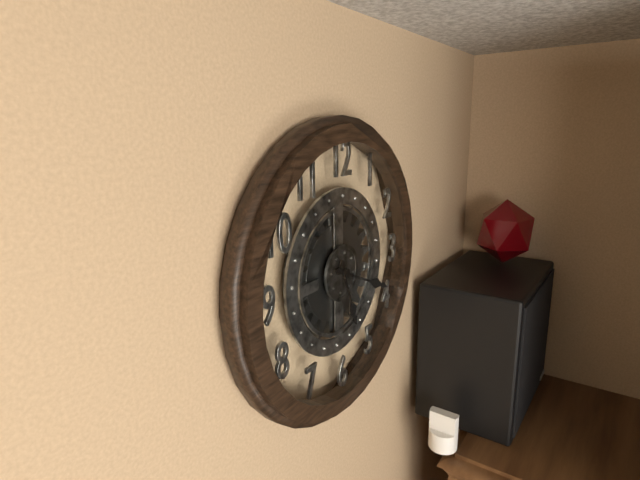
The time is 5h19
